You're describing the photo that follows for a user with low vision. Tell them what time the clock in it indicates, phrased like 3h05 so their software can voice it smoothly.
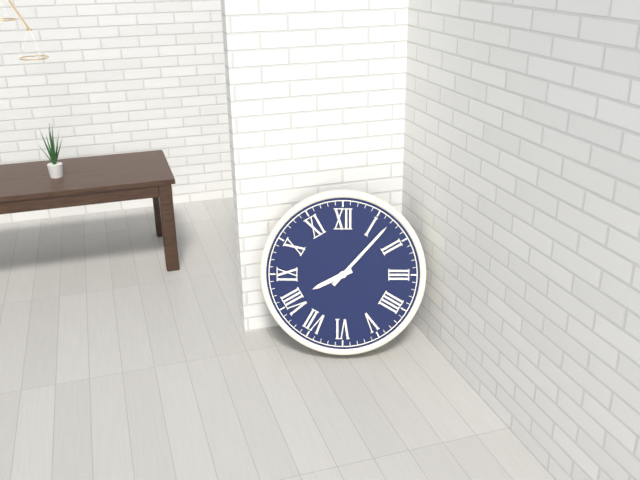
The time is 8h07
